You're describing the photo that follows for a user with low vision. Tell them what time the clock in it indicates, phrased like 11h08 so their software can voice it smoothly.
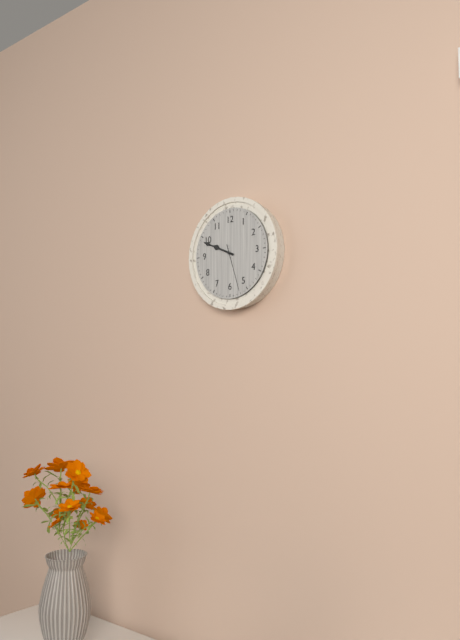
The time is 9h49
